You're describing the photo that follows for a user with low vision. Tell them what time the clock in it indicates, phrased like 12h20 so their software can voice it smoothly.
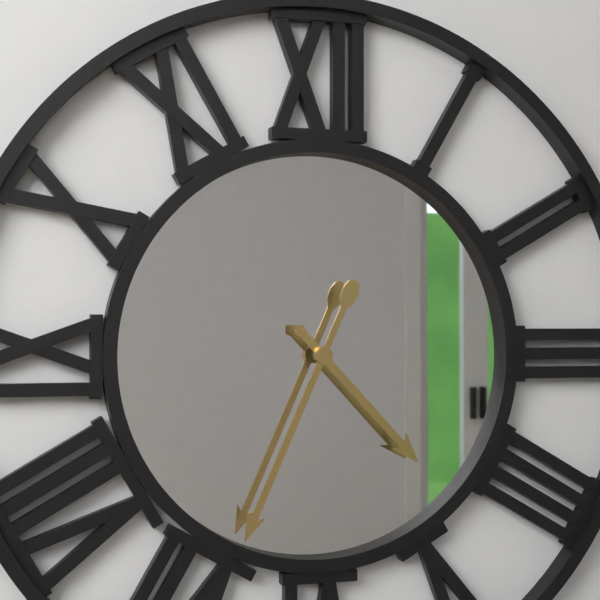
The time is 4h34
